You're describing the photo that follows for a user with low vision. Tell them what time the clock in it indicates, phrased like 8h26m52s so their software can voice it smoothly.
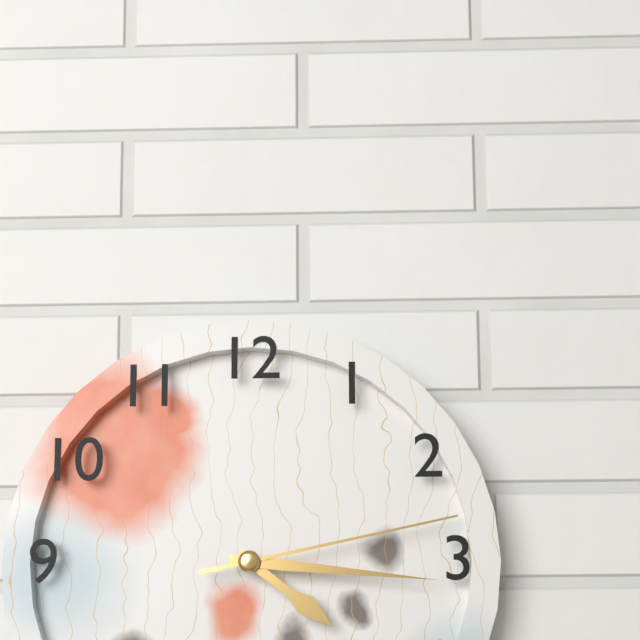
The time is 4h16m13s
